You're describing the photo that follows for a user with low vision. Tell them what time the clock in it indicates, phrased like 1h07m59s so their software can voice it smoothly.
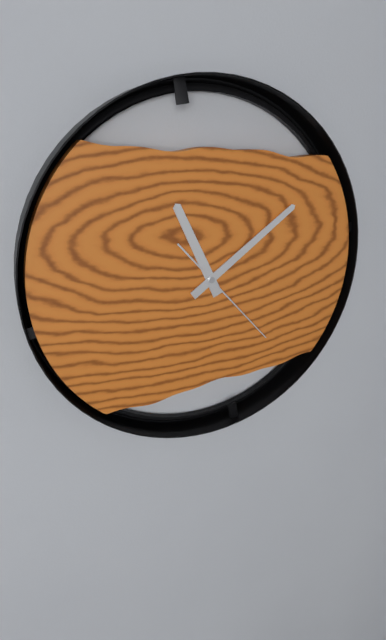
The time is 11h09m23s
